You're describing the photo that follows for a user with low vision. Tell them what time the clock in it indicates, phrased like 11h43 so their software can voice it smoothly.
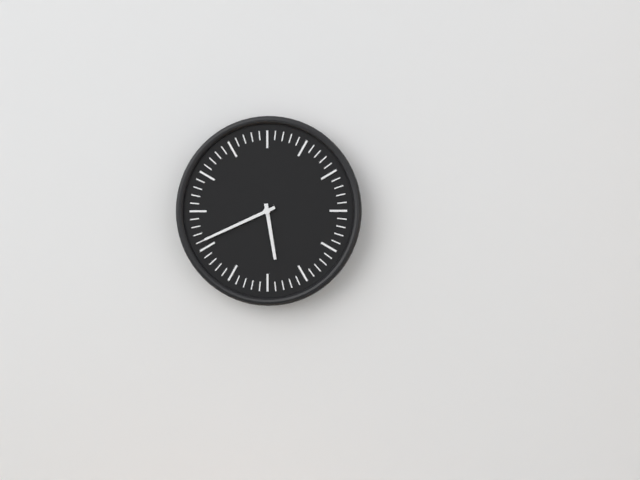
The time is 5h41
